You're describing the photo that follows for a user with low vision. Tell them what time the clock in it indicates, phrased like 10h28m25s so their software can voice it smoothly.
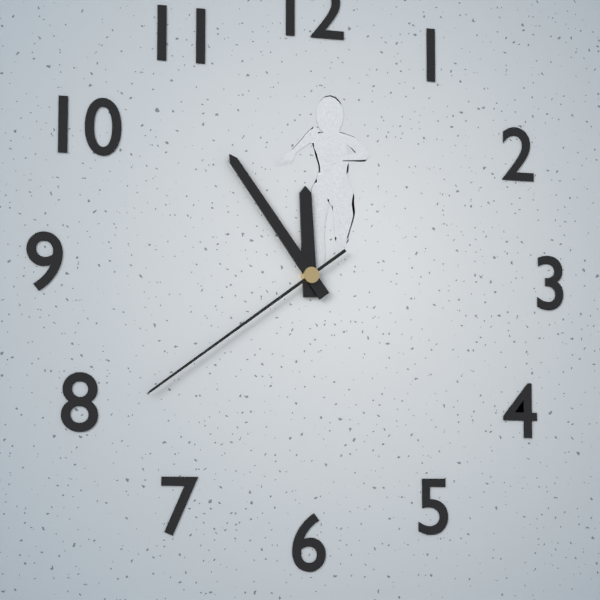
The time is 11h54m39s
